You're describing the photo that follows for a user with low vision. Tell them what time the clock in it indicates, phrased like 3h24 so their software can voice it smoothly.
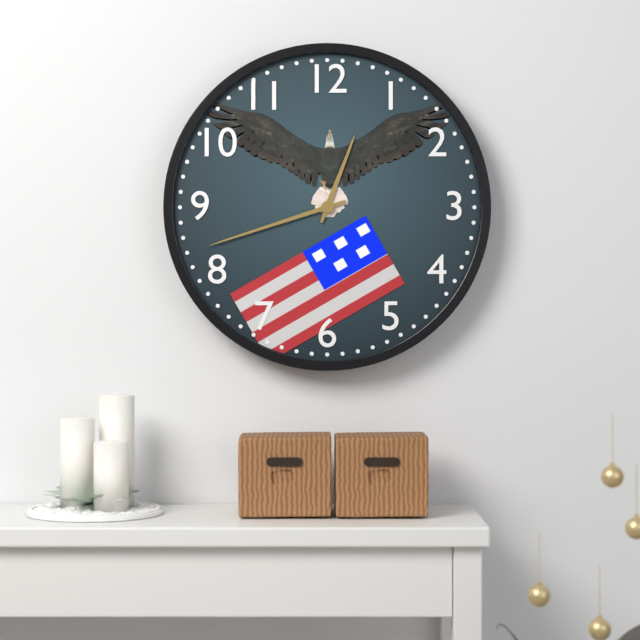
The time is 12h42
